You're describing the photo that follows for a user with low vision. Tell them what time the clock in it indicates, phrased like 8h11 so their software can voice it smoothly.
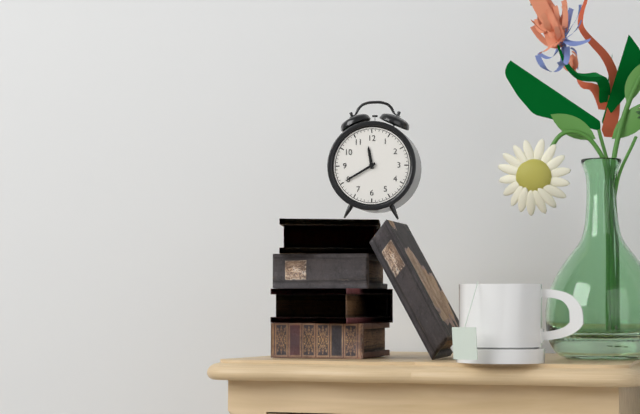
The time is 11h40
